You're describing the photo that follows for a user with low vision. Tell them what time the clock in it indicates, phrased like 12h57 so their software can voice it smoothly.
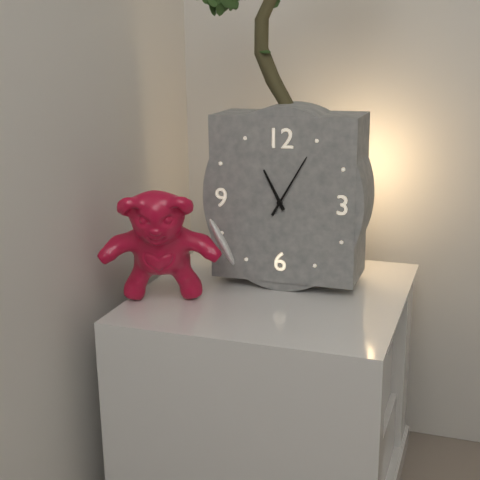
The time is 11h05
